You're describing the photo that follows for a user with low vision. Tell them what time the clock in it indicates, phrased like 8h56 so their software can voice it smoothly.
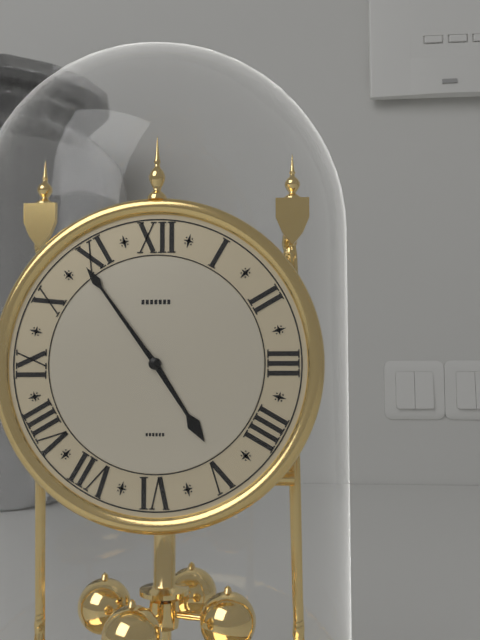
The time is 4h54
